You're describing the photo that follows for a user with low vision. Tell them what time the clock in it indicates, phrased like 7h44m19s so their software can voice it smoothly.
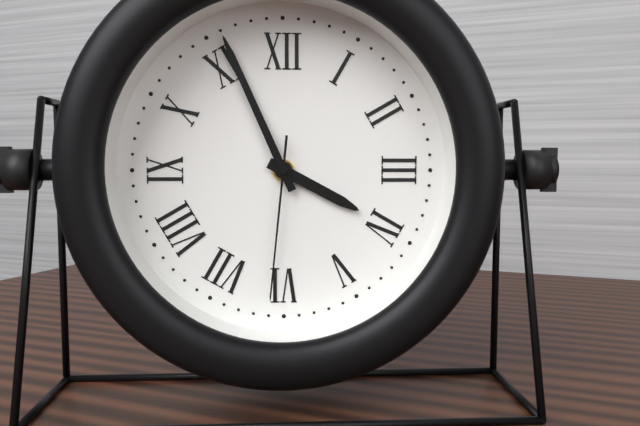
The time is 3h56m31s
